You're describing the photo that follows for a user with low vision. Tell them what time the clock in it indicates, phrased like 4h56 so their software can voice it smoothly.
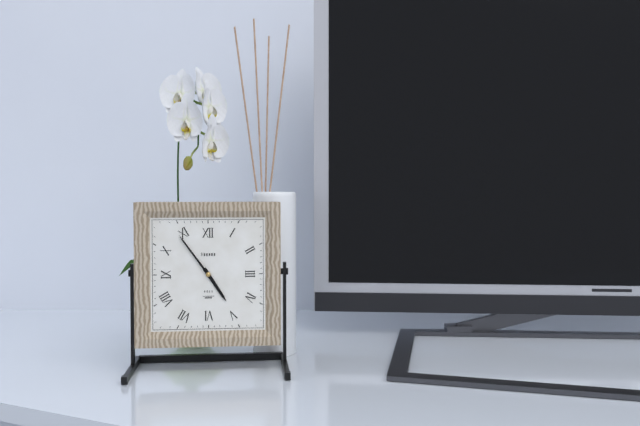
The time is 4h54
